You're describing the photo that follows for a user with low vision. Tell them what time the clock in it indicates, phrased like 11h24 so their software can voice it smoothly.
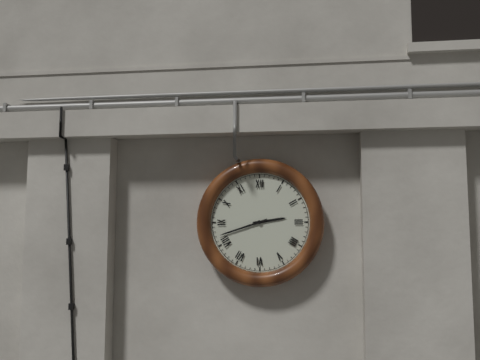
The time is 2h42
